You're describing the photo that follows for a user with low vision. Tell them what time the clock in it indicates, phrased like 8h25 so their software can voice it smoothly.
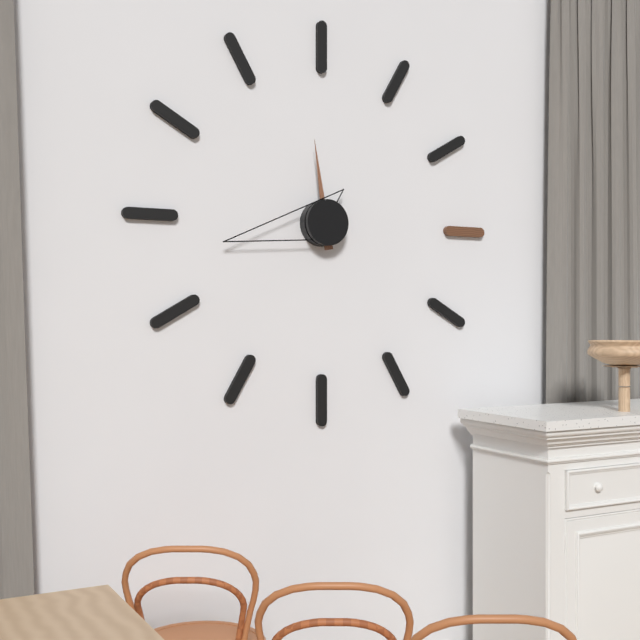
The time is 11h43
